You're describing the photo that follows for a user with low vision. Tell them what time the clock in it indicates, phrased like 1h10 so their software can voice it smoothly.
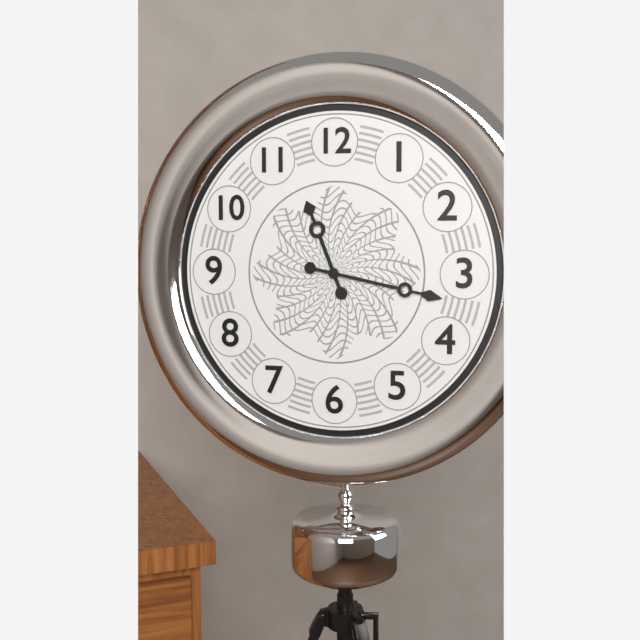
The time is 11h17
